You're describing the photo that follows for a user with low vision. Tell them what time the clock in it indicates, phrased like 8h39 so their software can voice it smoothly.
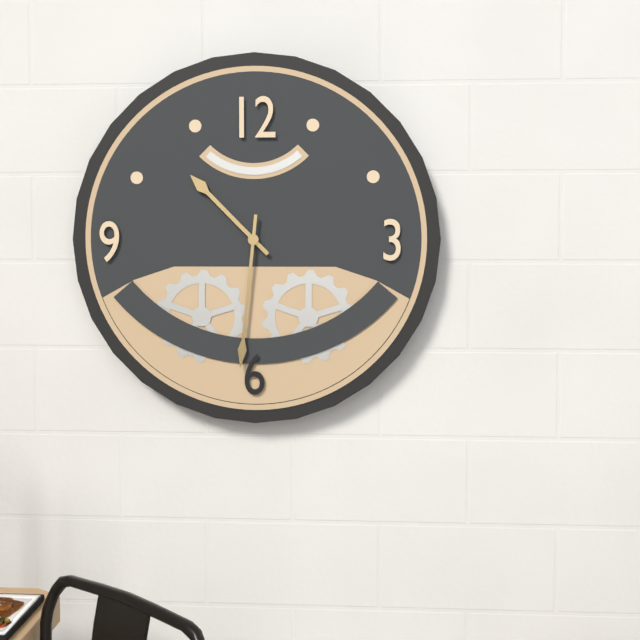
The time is 10h31
